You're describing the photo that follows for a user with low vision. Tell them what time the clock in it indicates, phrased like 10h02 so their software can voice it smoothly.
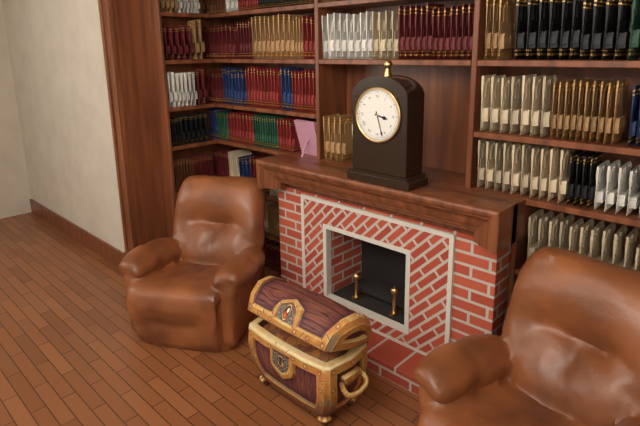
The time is 3h27
